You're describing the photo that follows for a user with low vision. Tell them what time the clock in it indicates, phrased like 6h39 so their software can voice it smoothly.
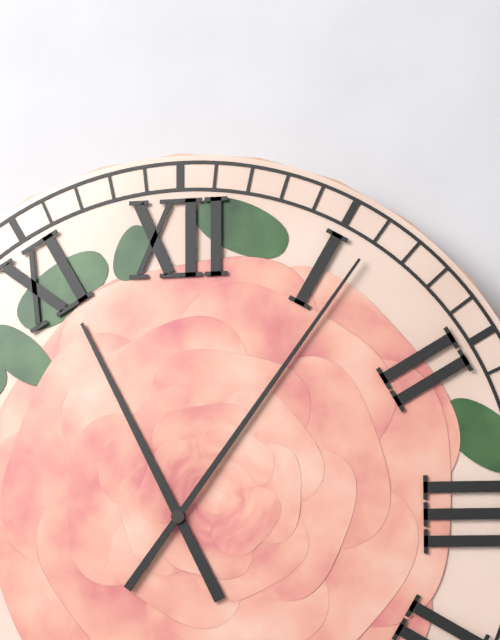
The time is 11h06
